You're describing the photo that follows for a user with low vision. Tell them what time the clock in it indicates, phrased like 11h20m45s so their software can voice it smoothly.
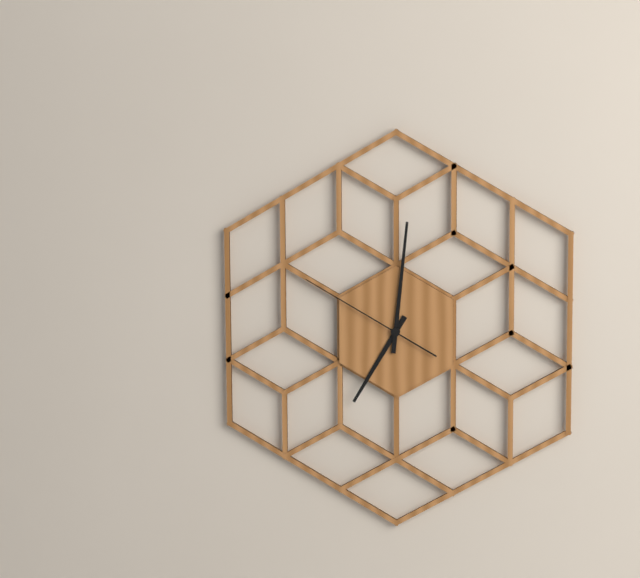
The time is 7h01m50s
